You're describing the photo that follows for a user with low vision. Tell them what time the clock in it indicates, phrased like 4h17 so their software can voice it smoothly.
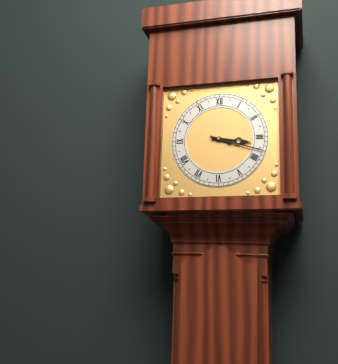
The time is 3h18
